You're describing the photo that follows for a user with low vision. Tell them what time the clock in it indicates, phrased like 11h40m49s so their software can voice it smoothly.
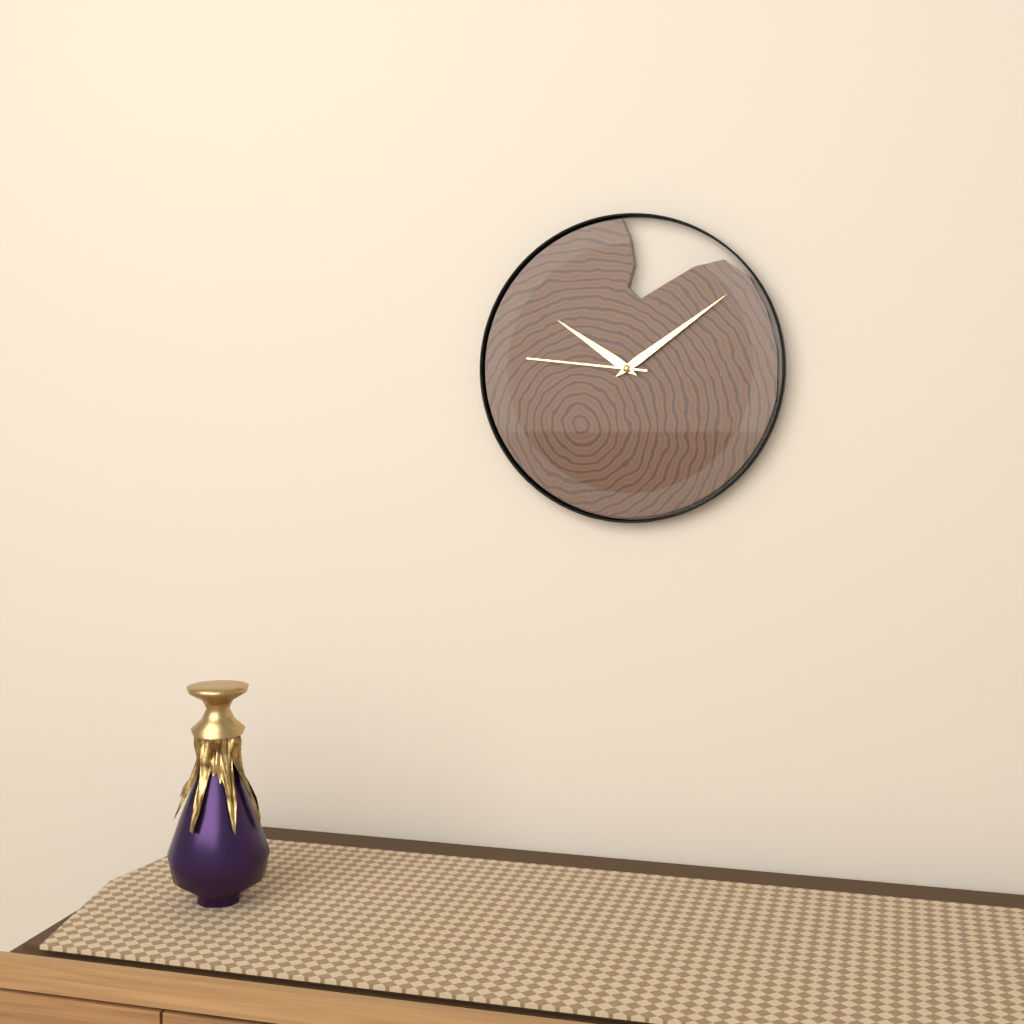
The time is 10h09m46s
